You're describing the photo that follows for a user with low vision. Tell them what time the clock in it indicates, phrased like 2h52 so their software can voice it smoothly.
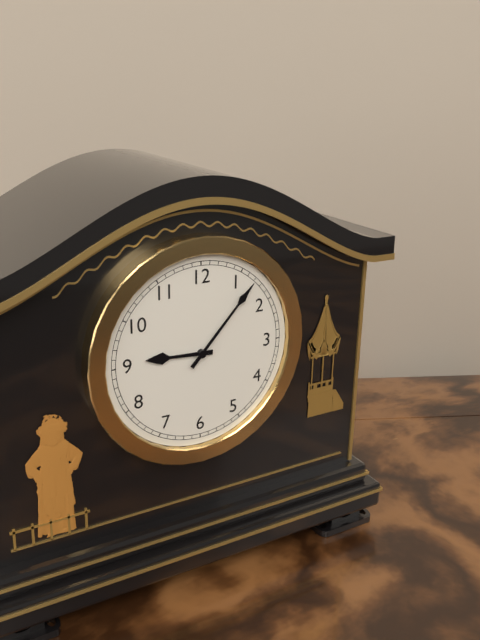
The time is 9h07
